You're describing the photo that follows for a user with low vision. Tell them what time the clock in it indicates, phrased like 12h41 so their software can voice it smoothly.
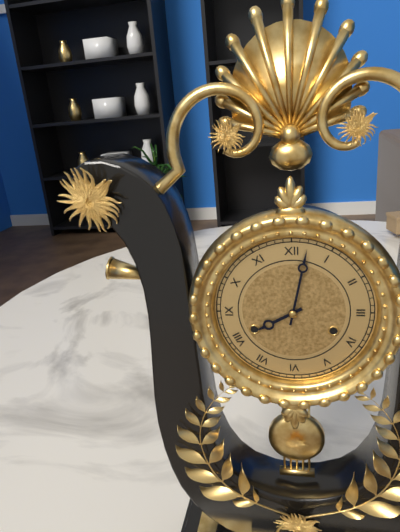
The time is 8h02
